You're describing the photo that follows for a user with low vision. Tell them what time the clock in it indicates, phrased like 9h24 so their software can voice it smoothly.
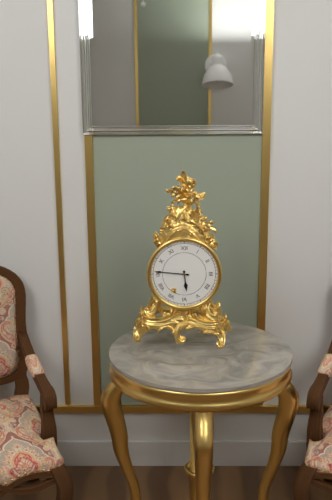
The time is 5h46
